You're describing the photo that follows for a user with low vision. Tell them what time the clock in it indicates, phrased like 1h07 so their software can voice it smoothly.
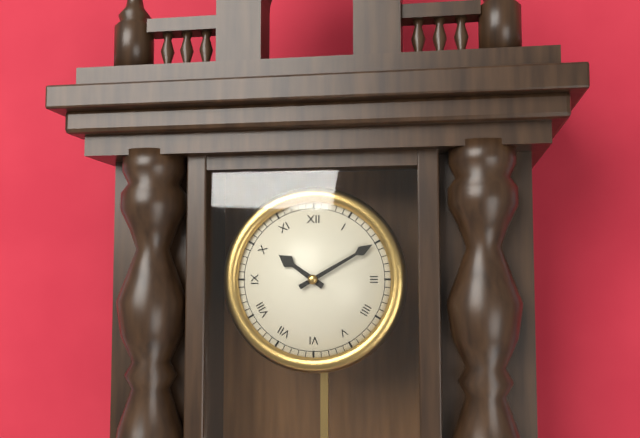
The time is 10h10
